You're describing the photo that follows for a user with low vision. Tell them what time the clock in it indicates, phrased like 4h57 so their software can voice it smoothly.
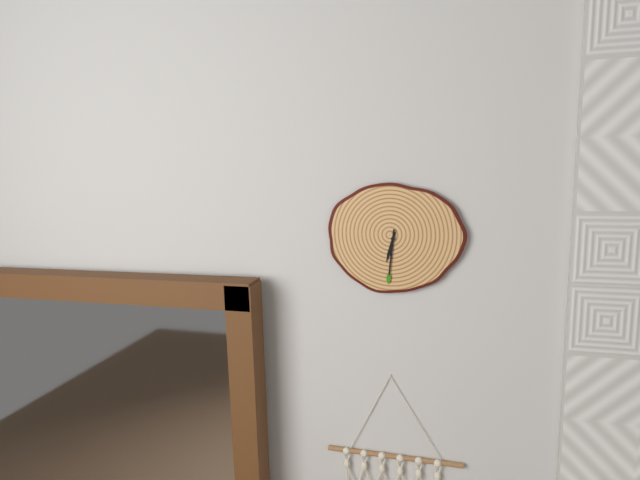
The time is 6h31
